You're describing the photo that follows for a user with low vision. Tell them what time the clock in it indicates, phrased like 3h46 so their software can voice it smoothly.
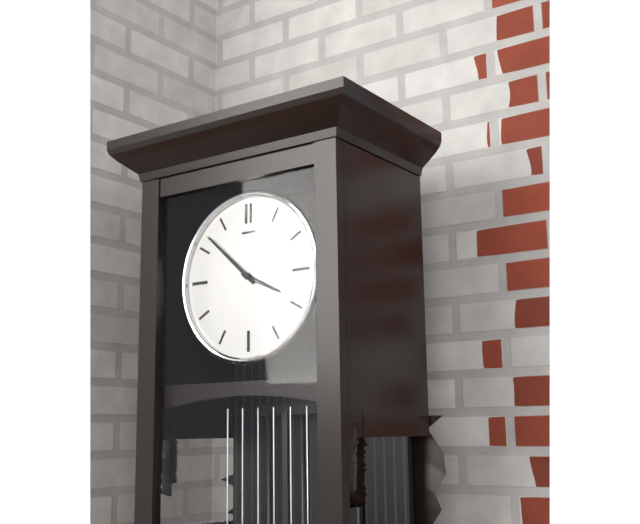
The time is 3h52
